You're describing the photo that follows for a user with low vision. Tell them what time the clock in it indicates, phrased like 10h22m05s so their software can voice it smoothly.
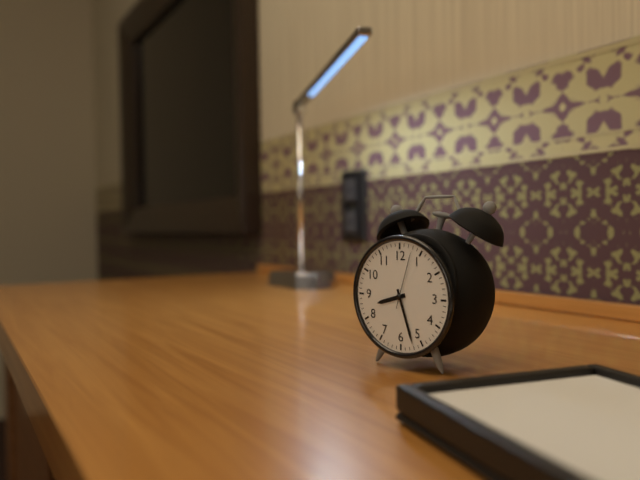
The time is 8h27m03s
